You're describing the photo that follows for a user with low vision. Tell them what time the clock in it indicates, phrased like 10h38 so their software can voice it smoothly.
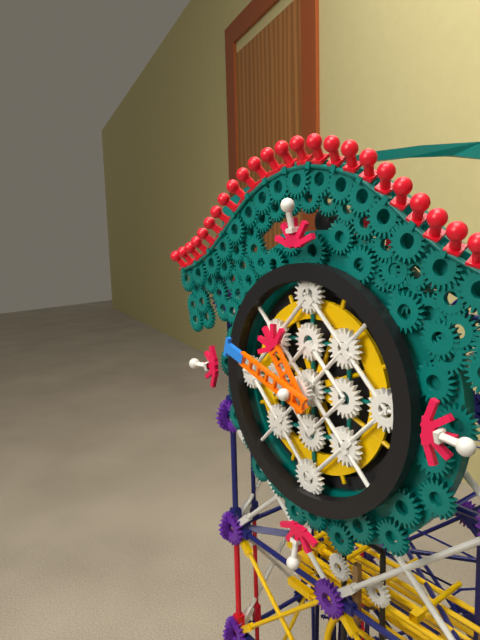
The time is 10h48
